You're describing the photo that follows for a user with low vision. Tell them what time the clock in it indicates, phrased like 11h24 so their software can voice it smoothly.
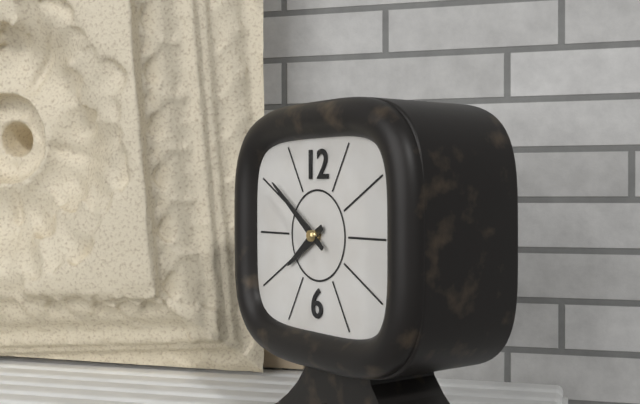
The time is 7h51
